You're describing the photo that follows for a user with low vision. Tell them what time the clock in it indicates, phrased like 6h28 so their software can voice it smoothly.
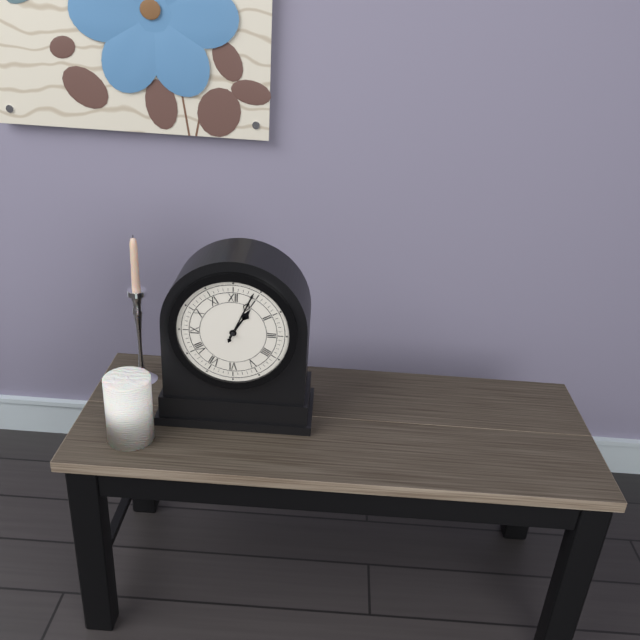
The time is 1h04
